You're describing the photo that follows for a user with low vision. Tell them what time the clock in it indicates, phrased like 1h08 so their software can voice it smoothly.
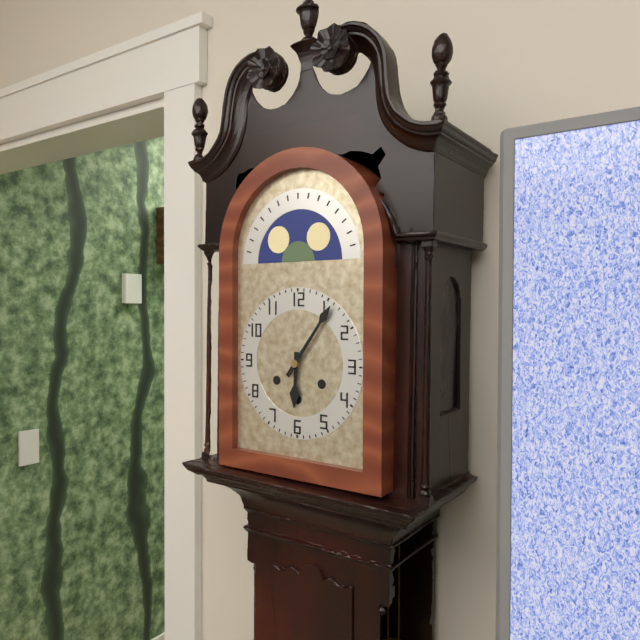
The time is 6h06
